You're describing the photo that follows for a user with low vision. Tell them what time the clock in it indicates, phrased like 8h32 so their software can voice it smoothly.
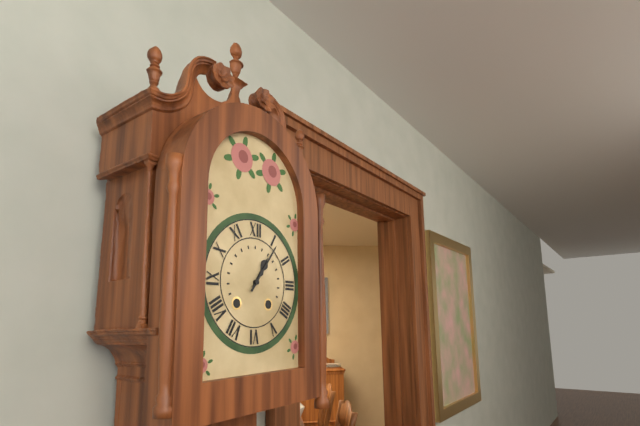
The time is 1h06
